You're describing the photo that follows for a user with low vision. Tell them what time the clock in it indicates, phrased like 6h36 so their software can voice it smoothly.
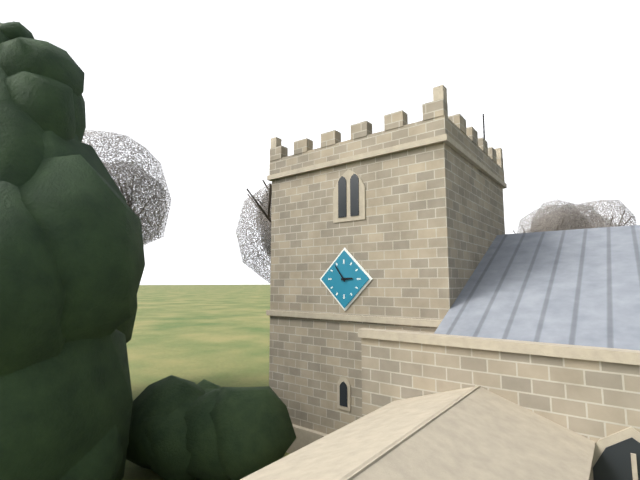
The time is 2h54
